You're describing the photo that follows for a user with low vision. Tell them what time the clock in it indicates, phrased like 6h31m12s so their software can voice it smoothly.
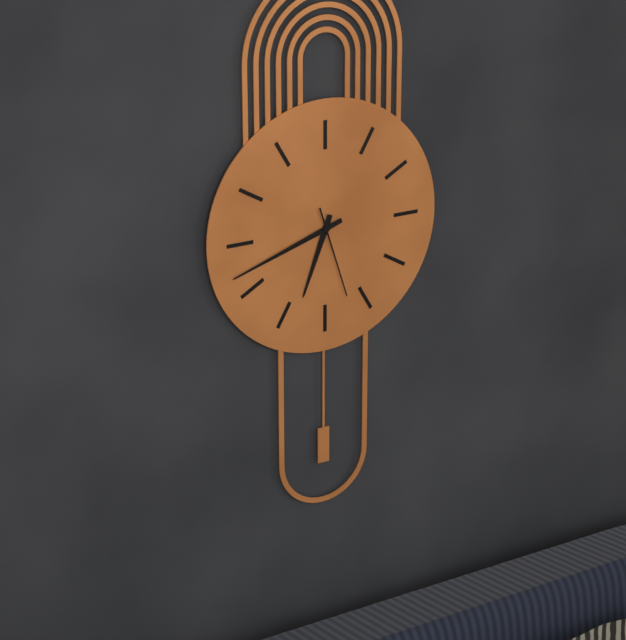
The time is 6h42m27s
